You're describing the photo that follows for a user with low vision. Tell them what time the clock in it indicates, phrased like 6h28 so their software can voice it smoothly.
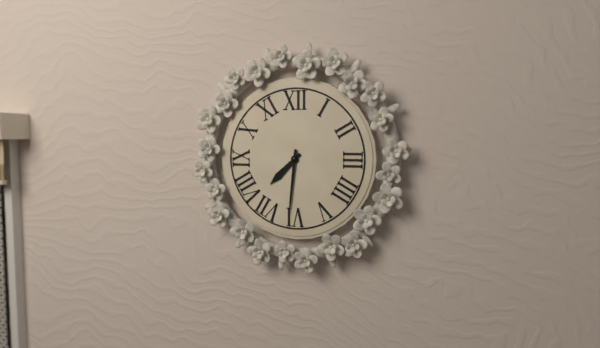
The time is 7h31
